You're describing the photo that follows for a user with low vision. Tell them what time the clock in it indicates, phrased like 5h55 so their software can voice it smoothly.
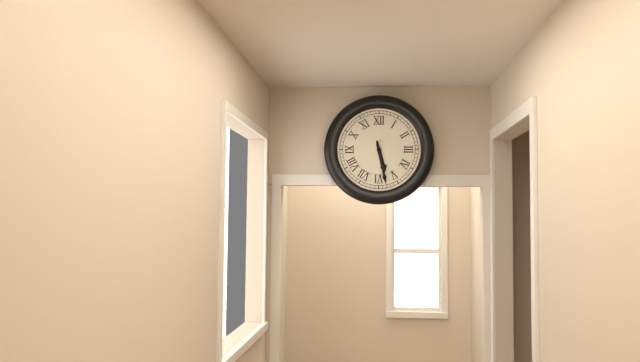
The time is 5h28
